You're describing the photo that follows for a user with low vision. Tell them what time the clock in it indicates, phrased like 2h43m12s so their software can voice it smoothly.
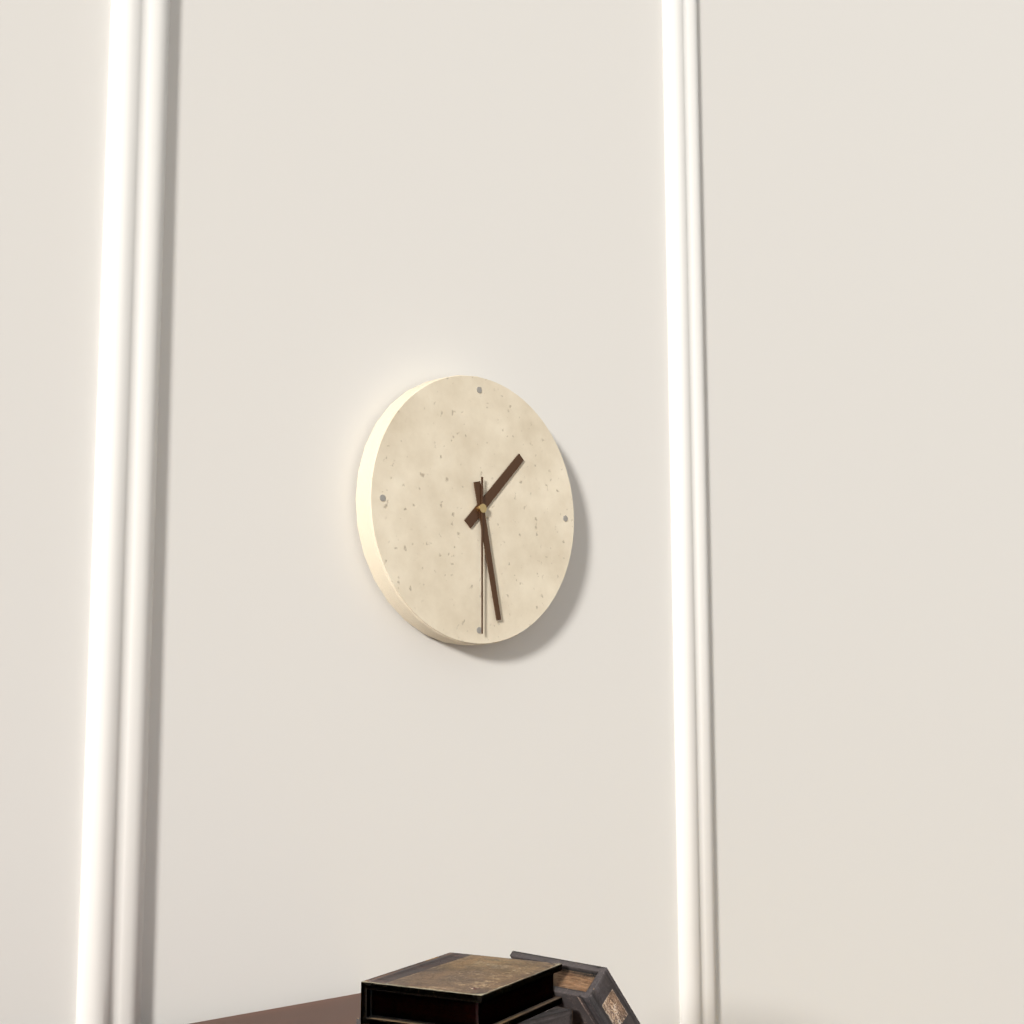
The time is 1h28m30s
